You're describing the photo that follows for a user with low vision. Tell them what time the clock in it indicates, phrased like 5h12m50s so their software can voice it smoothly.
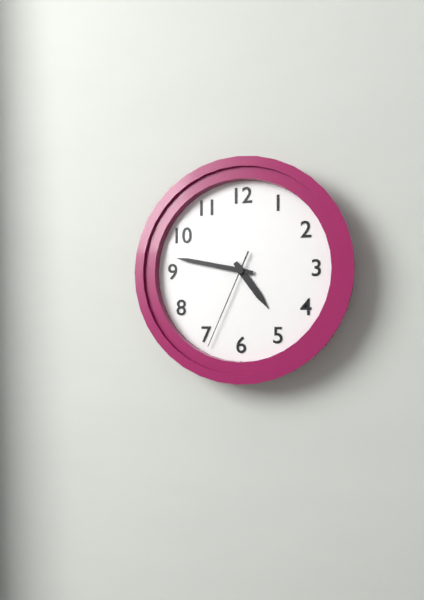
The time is 4h47m34s
